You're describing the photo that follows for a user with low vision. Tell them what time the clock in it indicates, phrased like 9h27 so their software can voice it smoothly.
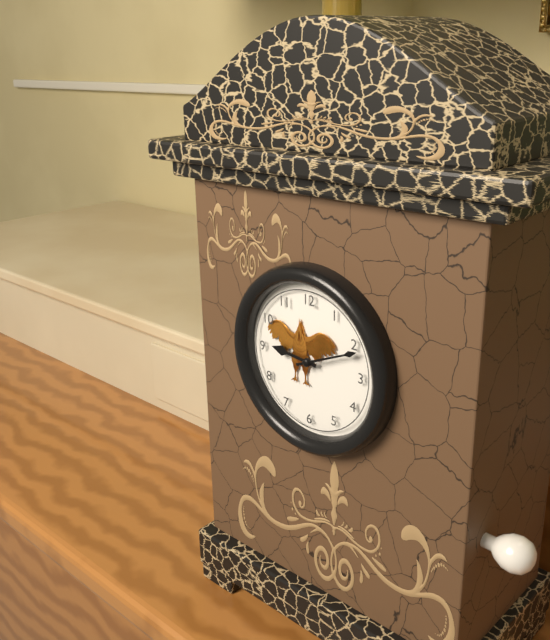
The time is 9h11
